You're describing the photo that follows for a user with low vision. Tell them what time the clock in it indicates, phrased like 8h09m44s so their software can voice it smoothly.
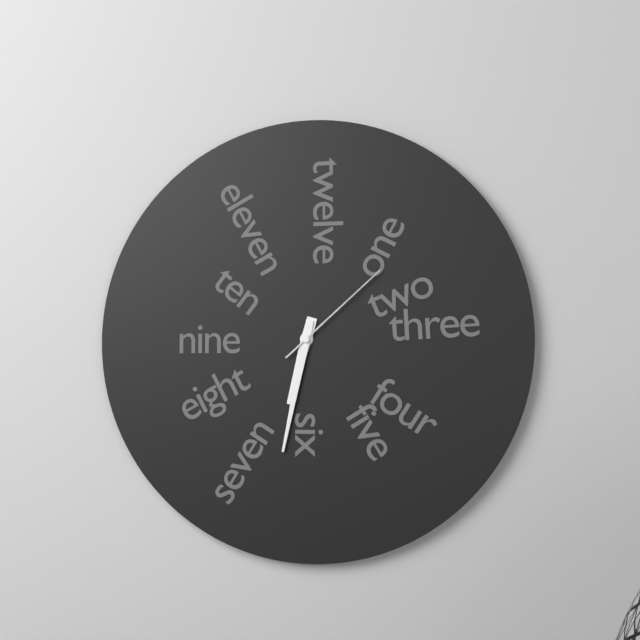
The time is 6h32m08s
